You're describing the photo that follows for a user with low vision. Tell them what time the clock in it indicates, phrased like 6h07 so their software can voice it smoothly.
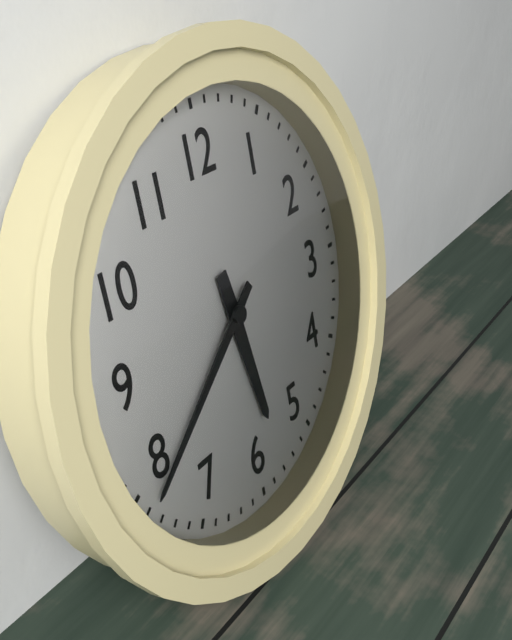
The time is 5h39
